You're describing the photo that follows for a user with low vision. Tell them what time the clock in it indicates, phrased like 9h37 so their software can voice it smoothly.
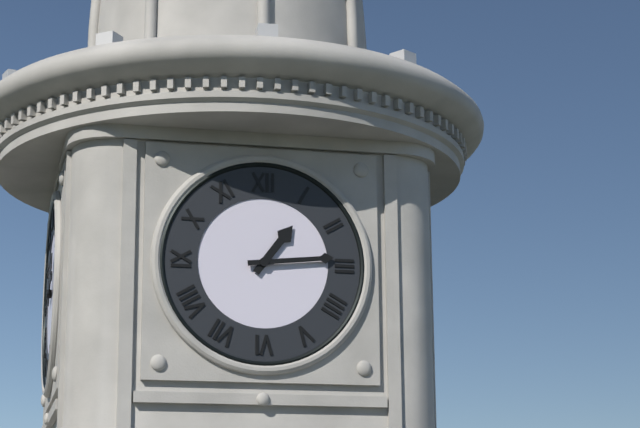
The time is 1h14
